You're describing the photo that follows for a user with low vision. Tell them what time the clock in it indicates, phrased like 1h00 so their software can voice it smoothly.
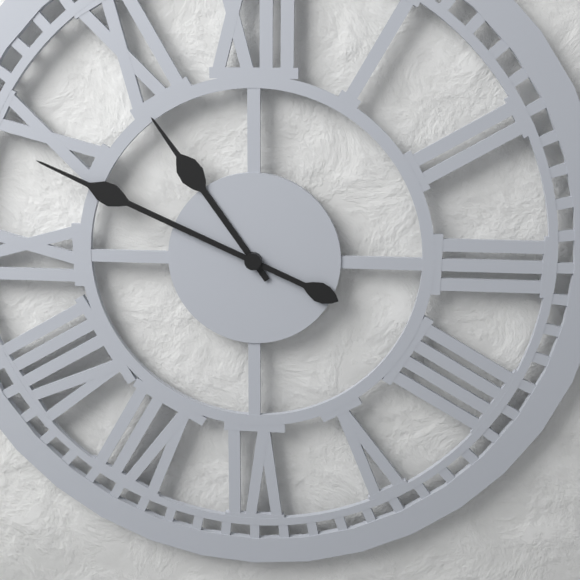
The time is 10h49
